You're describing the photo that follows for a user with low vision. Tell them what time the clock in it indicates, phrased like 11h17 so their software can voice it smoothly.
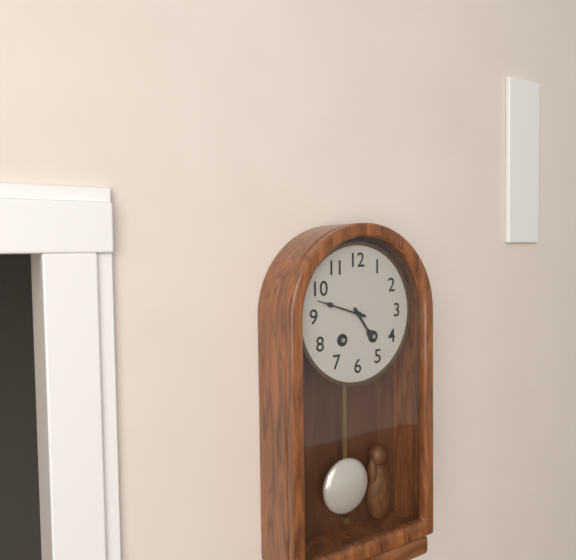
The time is 4h48
